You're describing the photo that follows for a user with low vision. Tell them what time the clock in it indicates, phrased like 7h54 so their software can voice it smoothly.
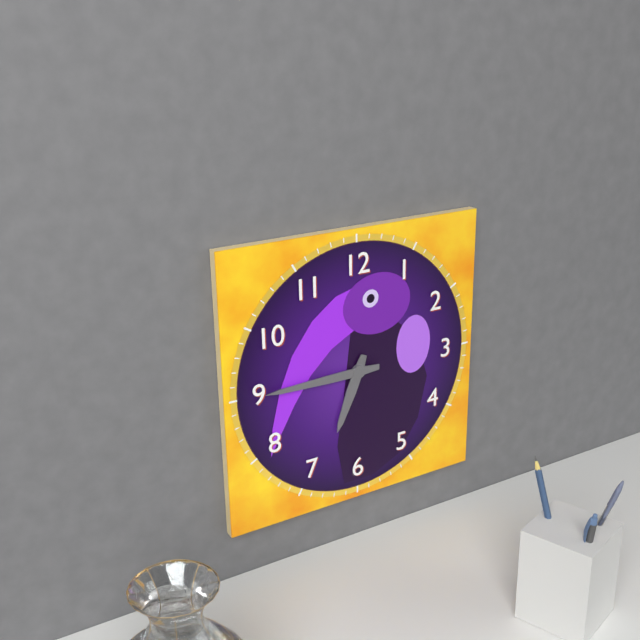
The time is 6h45
